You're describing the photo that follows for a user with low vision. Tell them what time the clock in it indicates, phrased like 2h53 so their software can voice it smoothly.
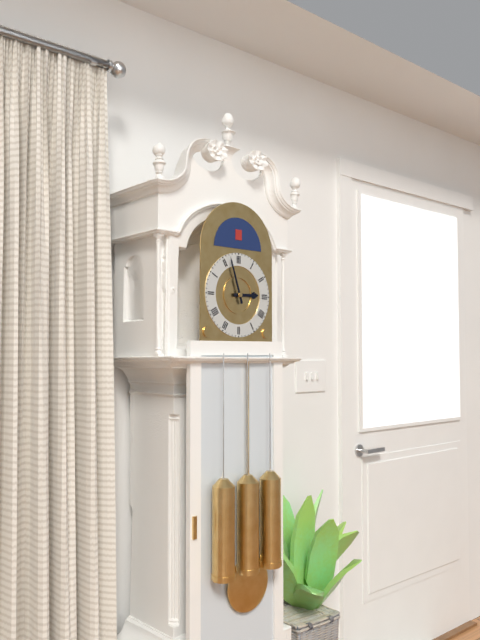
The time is 2h57
